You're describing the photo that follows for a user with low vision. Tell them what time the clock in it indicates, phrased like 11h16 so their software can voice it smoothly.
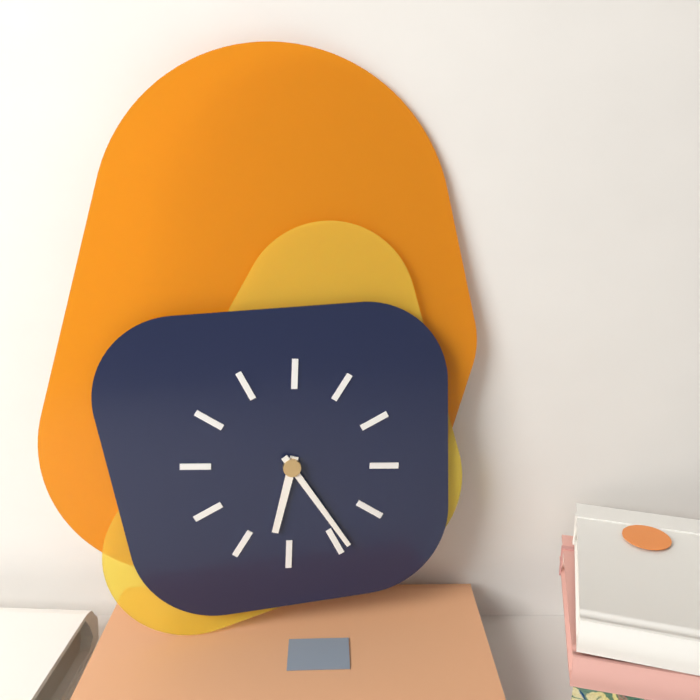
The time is 6h24
